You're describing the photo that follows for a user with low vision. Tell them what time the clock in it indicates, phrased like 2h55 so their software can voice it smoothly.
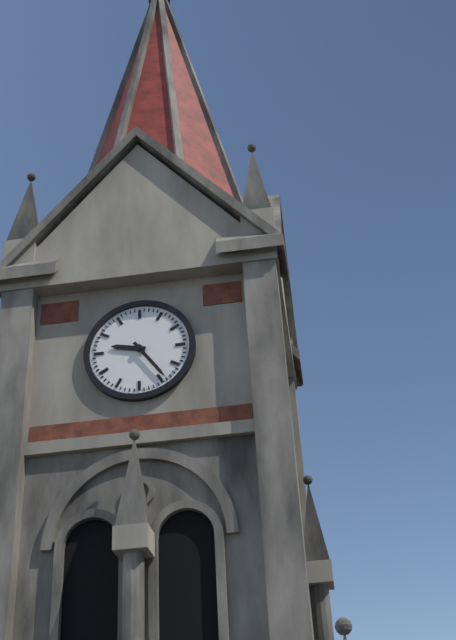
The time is 9h24
